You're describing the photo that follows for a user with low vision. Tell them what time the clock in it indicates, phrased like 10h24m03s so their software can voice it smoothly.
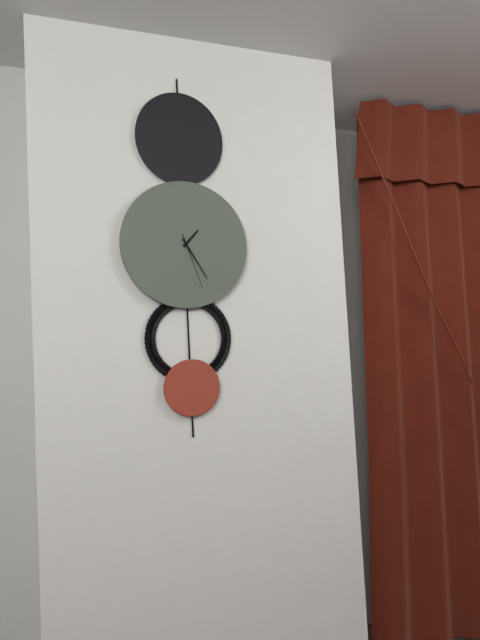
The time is 1h25m27s
